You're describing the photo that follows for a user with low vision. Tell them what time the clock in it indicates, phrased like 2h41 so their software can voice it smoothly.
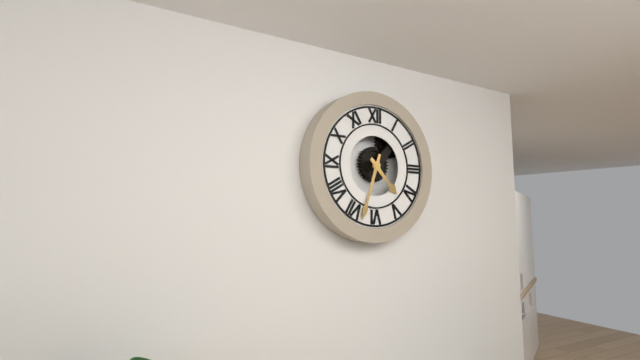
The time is 4h33
